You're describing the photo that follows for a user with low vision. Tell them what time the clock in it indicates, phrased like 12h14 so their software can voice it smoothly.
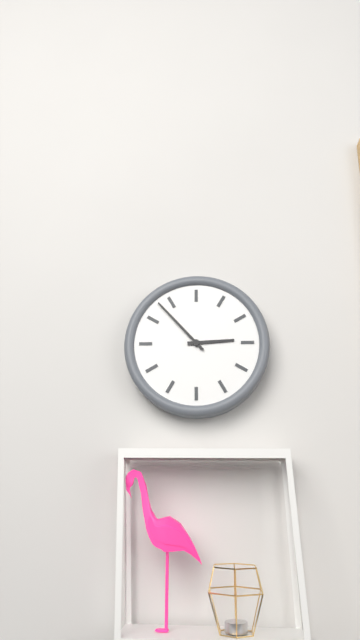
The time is 2h53
